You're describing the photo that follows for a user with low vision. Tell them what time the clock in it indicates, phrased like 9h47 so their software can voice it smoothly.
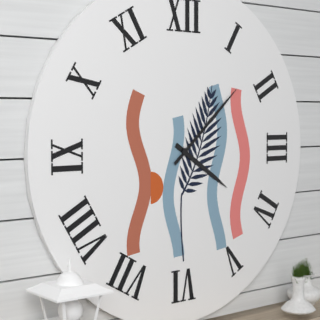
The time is 4h08
